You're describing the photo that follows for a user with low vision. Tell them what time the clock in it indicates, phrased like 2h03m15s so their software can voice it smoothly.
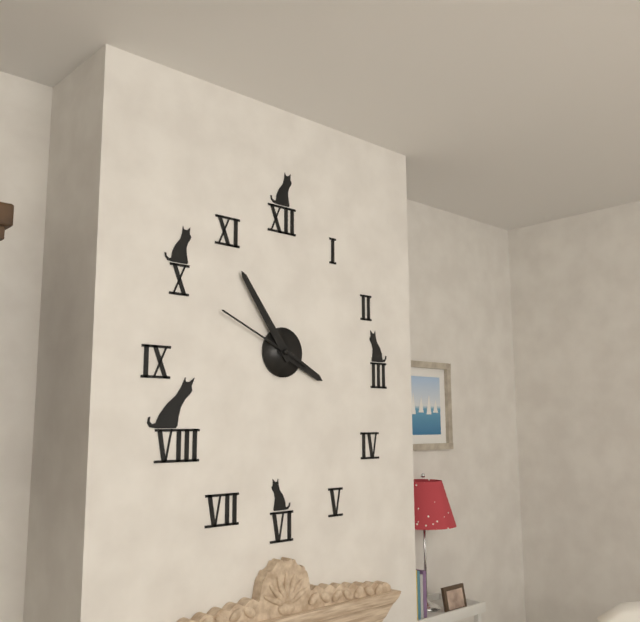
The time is 3h54m49s
